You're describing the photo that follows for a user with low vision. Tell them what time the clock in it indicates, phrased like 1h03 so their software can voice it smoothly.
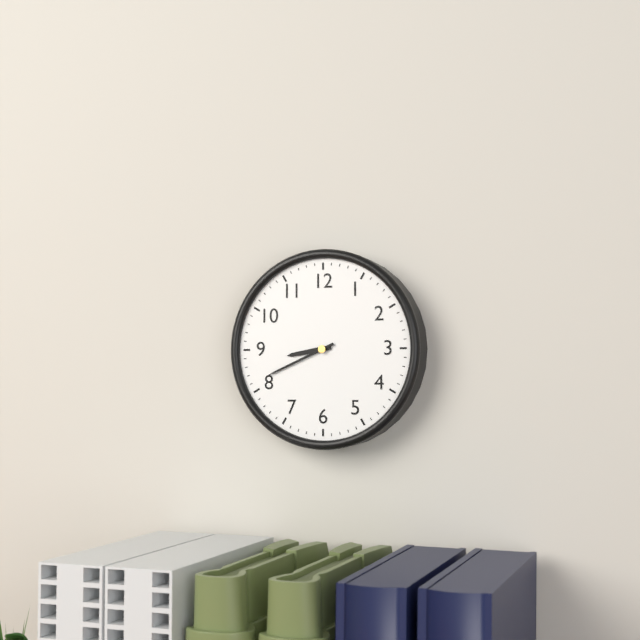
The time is 8h41
